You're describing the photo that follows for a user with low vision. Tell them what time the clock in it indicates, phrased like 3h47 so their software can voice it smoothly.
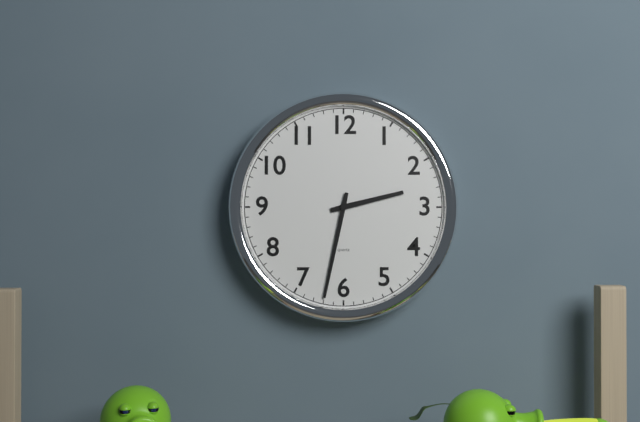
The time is 2h32
